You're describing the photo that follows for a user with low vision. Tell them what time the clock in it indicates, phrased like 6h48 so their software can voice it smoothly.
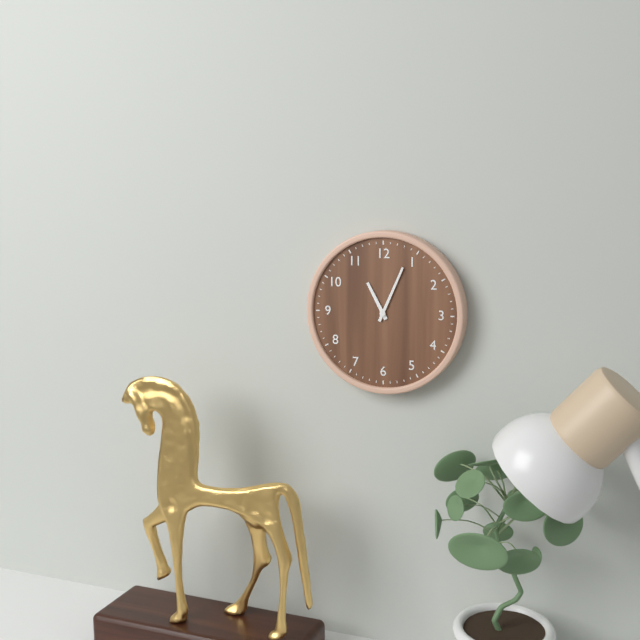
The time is 11h04
